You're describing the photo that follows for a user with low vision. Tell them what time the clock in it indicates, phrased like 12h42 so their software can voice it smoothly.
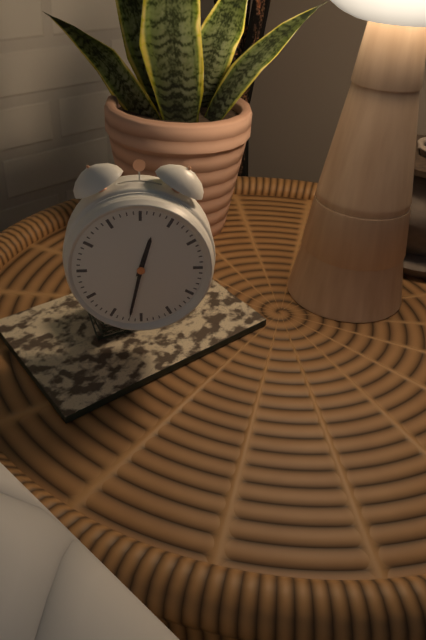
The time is 12h32
